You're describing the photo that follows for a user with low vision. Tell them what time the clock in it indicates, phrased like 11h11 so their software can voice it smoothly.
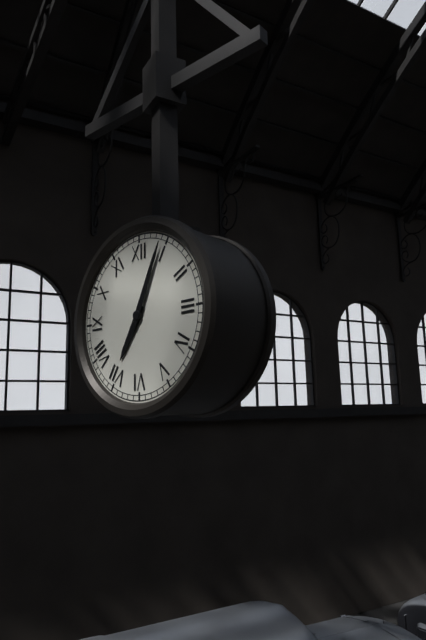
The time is 7h04
